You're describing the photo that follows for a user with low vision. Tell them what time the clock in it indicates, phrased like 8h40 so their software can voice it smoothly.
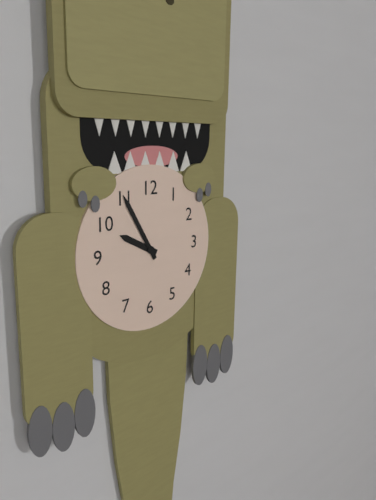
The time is 9h55
